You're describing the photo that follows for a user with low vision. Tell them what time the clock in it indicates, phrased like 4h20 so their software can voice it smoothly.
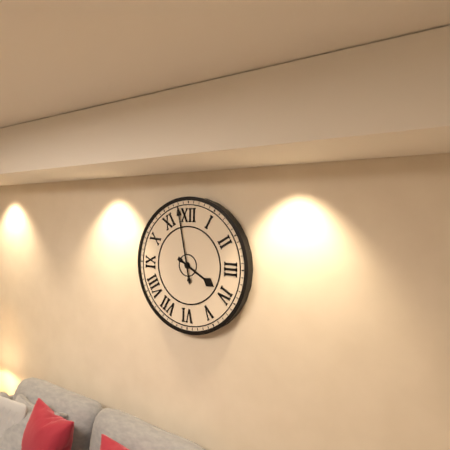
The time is 3h58
